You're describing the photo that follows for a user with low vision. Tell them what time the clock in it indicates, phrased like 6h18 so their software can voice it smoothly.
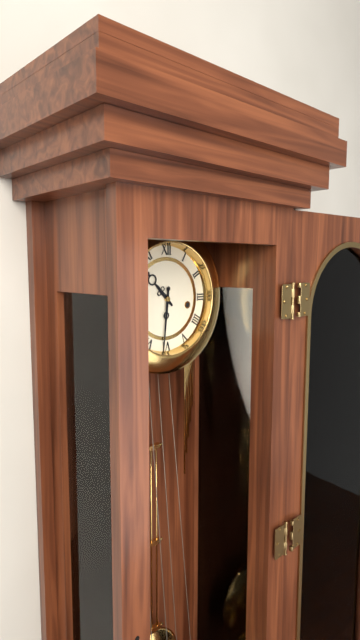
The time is 10h31
